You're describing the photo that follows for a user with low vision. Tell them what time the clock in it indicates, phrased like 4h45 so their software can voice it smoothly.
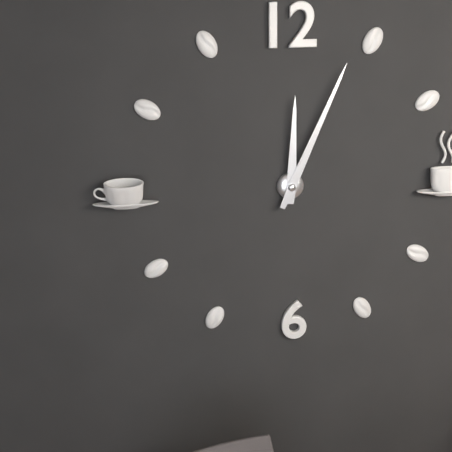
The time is 12h04
